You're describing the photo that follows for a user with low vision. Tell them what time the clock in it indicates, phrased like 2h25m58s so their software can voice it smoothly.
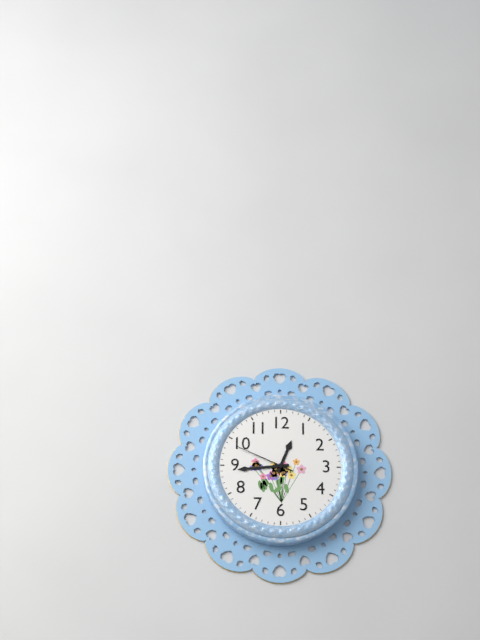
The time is 12h44m49s
